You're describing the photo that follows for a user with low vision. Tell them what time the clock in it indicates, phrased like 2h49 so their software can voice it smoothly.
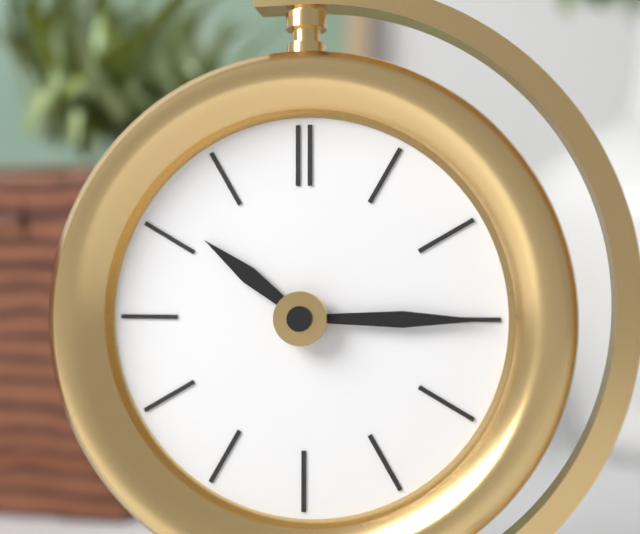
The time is 10h15
